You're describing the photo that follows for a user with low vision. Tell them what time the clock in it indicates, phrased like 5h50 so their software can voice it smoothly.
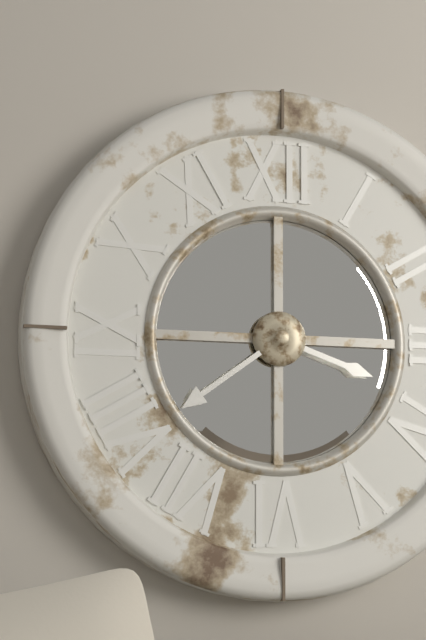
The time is 3h39
